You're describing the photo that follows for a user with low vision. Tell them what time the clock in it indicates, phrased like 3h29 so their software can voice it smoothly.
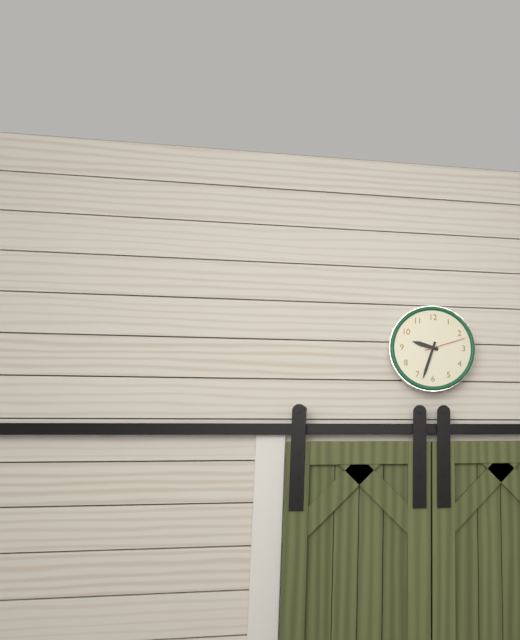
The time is 9h33
